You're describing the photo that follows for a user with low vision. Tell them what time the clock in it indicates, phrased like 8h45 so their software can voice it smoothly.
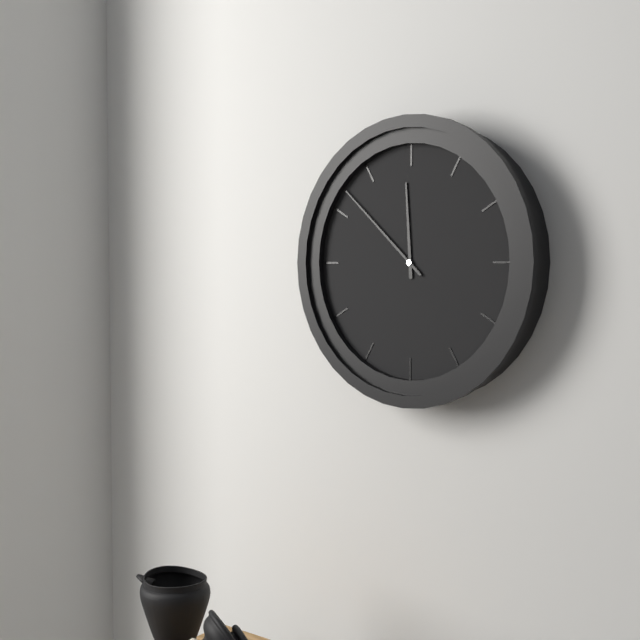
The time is 11h52
